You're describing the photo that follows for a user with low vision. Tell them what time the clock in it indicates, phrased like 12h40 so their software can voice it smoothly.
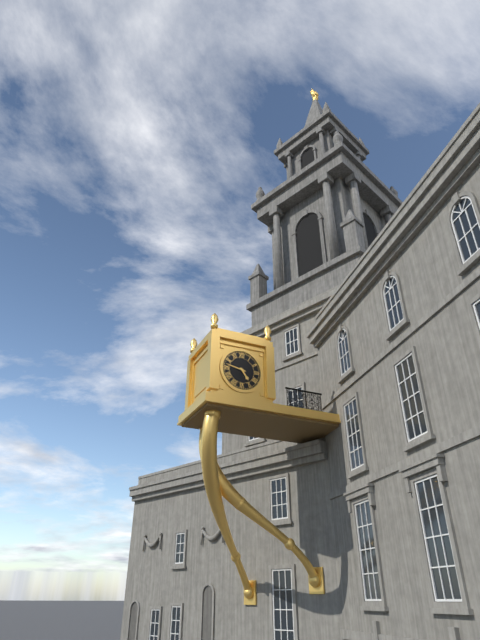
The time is 4h47
